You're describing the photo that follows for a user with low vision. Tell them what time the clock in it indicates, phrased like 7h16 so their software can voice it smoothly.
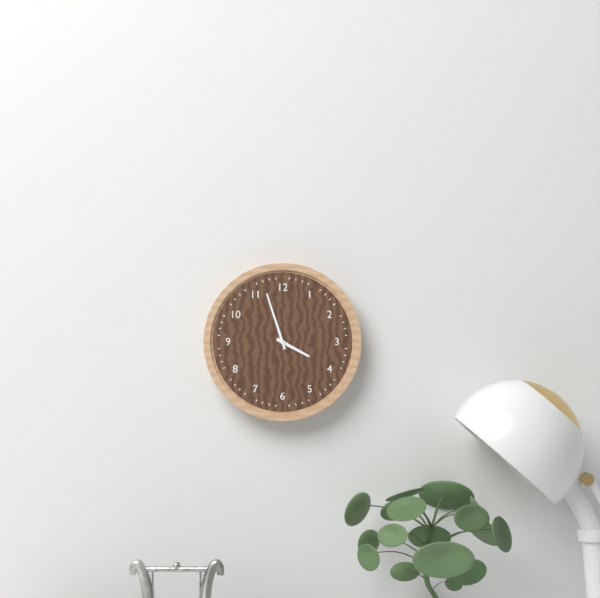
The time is 3h57
